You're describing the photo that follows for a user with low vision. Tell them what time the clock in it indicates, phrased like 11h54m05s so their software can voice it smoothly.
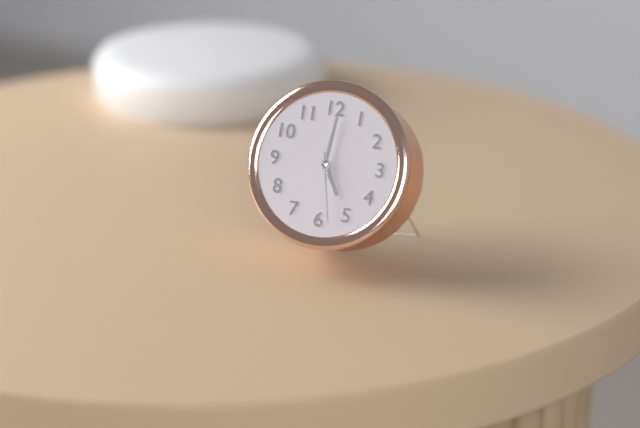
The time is 5h01m28s
